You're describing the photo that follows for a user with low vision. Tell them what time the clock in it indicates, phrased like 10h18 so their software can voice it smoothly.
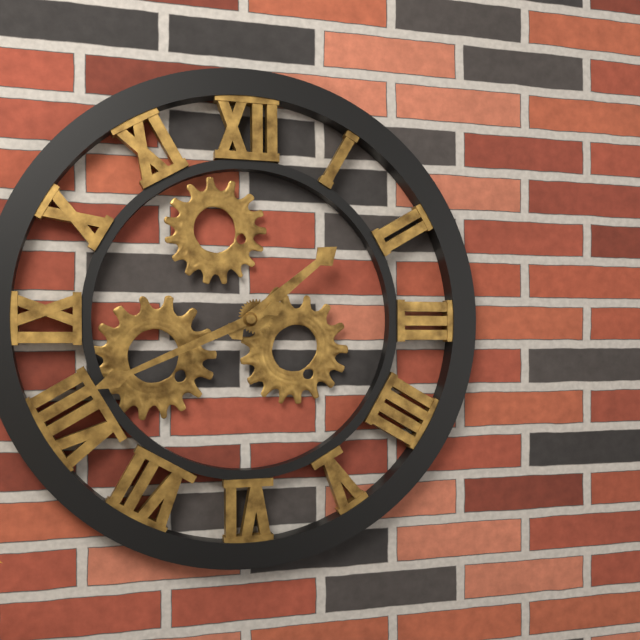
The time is 1h41
